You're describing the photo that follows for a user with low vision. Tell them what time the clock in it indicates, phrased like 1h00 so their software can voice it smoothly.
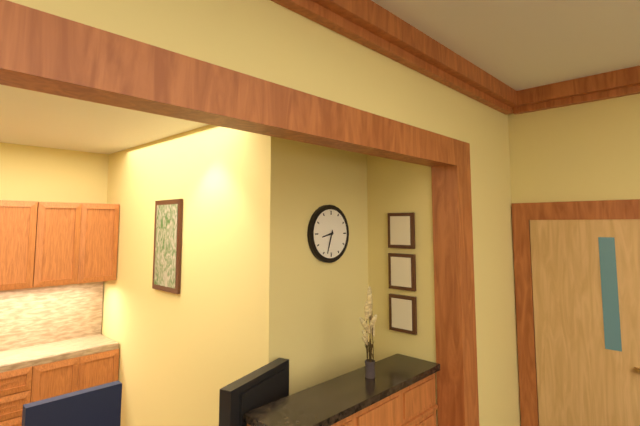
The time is 8h33
